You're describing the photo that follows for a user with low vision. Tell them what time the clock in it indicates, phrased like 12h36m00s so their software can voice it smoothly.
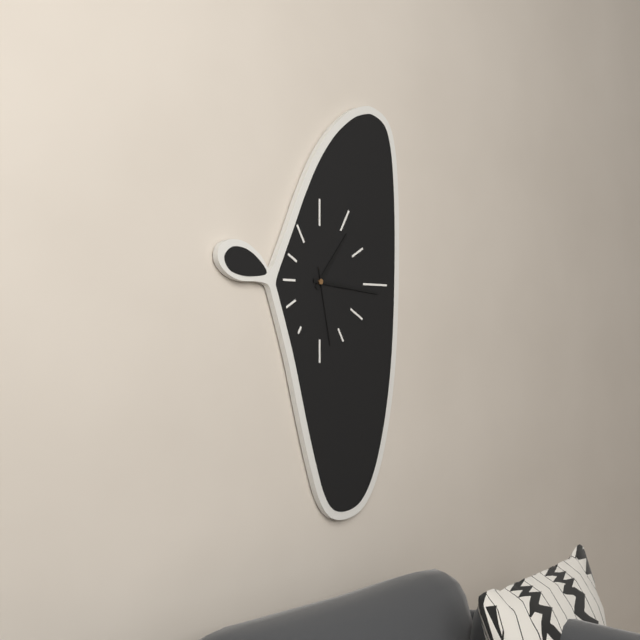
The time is 1h16m28s
